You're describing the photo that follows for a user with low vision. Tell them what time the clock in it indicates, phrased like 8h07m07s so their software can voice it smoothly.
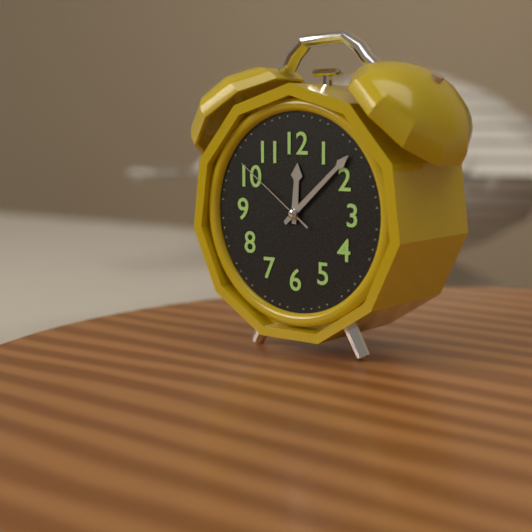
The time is 12h08m51s
